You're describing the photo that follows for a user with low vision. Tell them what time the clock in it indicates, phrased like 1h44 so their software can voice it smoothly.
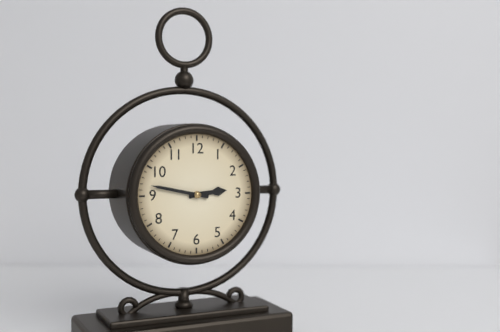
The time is 2h47
